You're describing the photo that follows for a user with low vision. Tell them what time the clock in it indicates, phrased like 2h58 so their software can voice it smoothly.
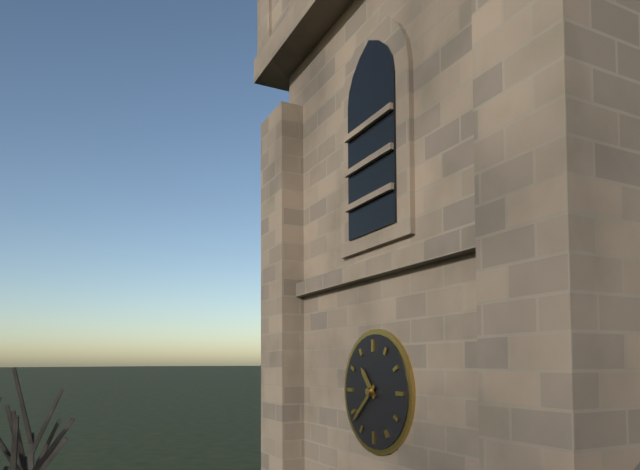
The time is 10h38
